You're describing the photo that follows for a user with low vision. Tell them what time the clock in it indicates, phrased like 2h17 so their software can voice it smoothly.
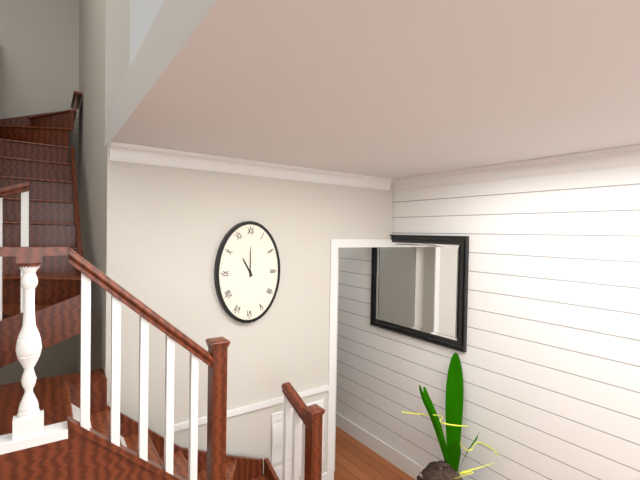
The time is 11h00
